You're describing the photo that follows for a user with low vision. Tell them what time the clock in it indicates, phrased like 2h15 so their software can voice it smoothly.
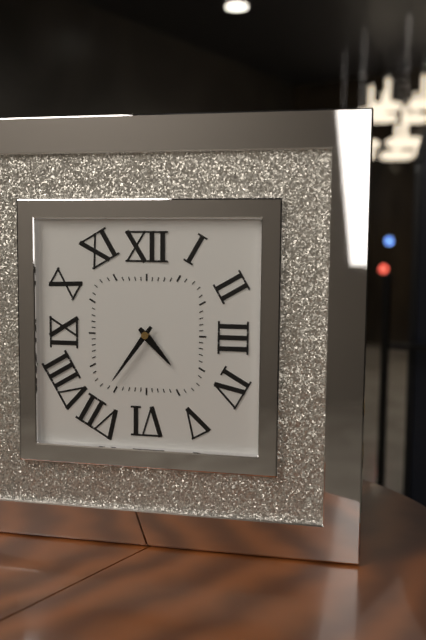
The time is 4h36
